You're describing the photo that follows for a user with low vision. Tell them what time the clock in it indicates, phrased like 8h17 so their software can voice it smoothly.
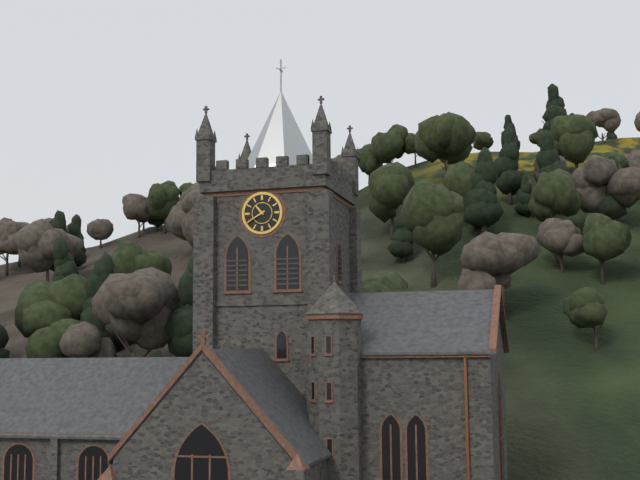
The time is 10h40
